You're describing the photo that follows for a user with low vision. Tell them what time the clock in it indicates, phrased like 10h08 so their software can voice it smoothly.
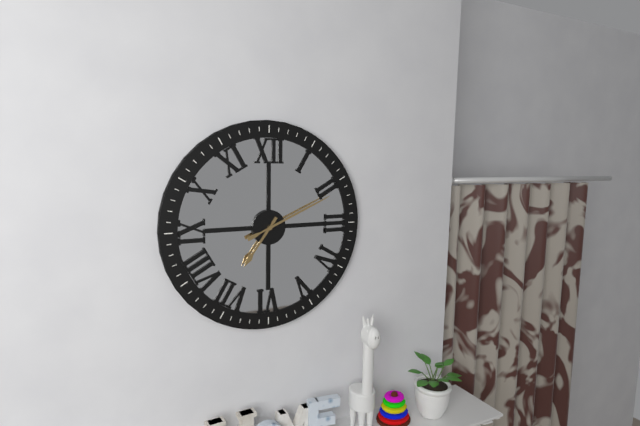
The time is 7h11
